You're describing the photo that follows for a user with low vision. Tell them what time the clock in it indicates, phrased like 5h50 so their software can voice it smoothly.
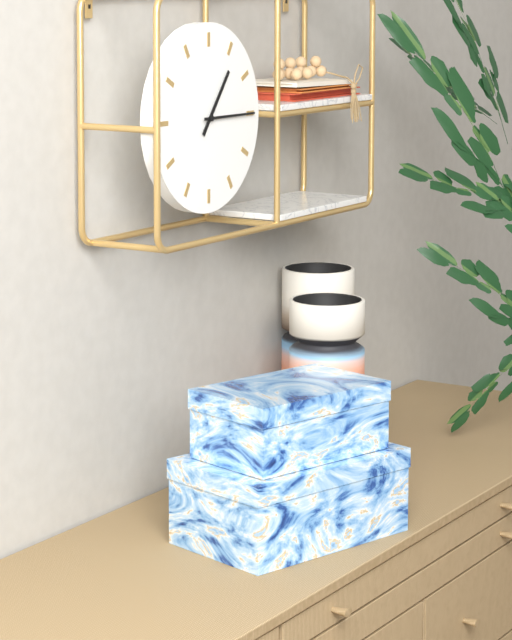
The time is 1h15
